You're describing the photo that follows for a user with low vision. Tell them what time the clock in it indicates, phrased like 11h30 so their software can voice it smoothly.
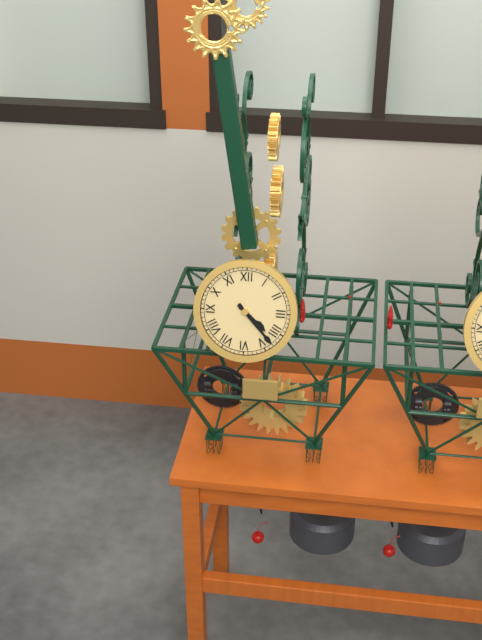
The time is 4h23
